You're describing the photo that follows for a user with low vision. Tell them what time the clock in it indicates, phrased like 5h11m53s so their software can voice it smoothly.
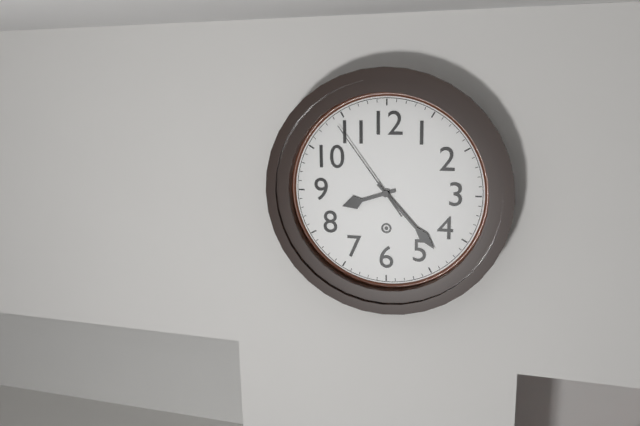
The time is 8h23m54s
